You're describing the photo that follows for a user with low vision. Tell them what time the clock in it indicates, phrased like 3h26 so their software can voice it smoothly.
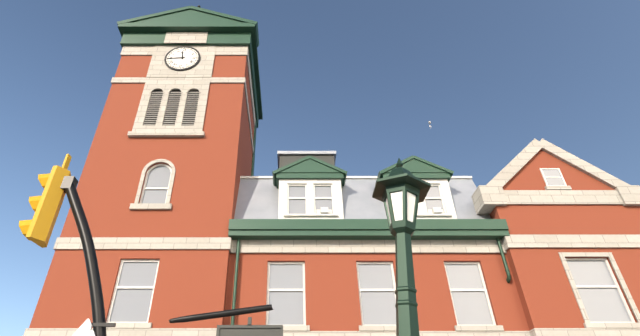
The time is 11h44
